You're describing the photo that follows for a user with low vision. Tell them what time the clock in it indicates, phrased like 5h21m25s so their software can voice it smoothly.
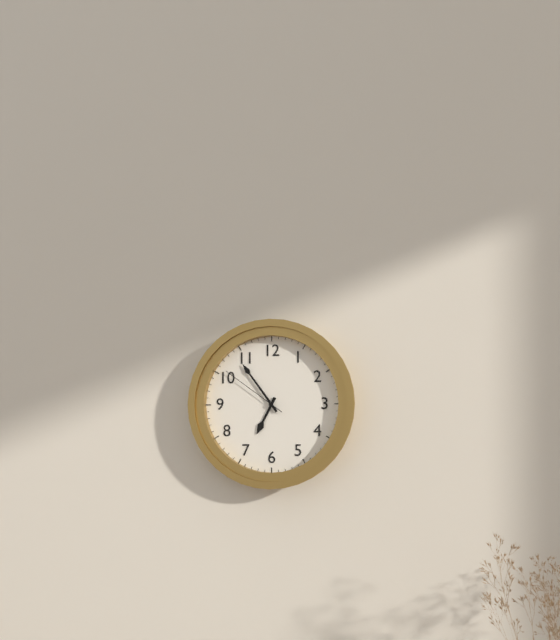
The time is 6h54m51s
